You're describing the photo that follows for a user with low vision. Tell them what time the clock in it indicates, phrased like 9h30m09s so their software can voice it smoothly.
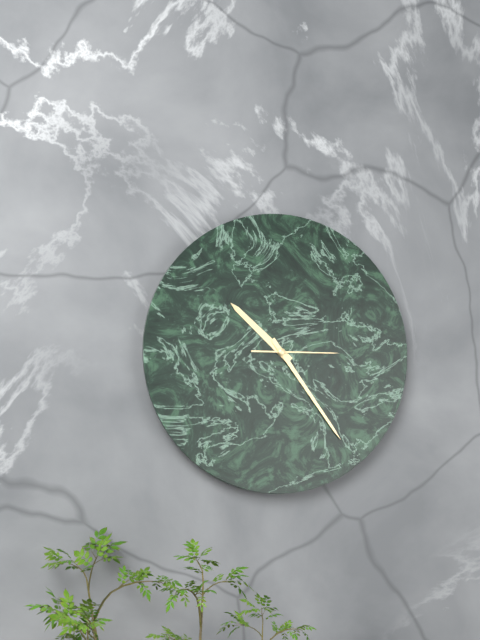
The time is 10h24m15s
